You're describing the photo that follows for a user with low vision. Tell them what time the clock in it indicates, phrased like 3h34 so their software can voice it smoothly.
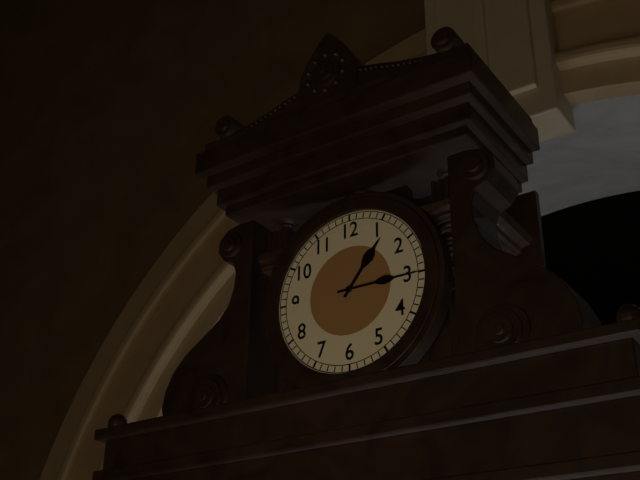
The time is 1h15
